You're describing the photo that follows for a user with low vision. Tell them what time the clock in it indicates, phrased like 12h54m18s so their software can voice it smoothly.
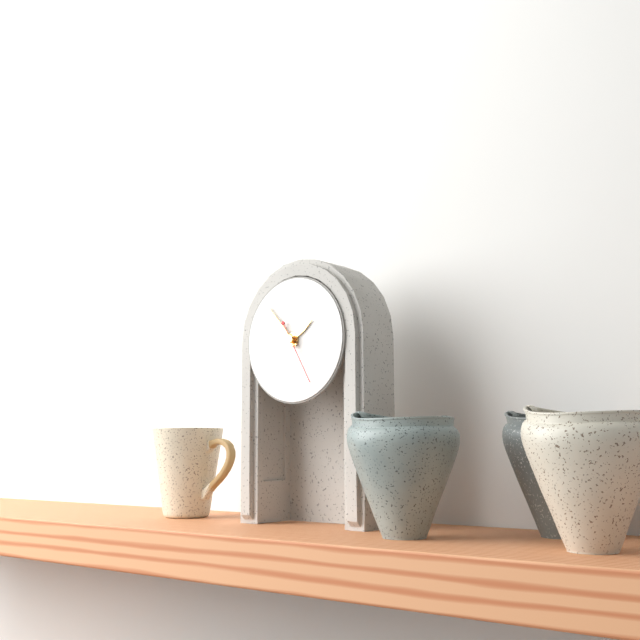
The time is 1h53m25s
